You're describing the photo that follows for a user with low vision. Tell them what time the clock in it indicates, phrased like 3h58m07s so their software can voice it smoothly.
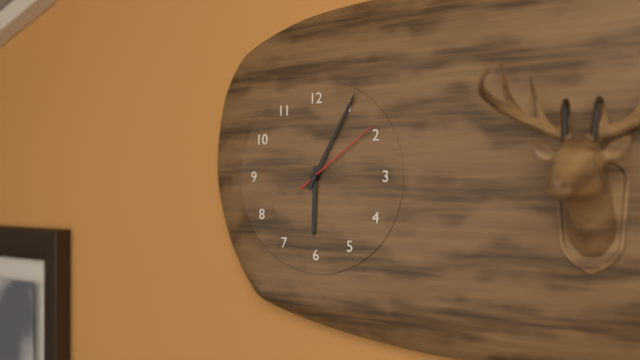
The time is 6h05m09s
